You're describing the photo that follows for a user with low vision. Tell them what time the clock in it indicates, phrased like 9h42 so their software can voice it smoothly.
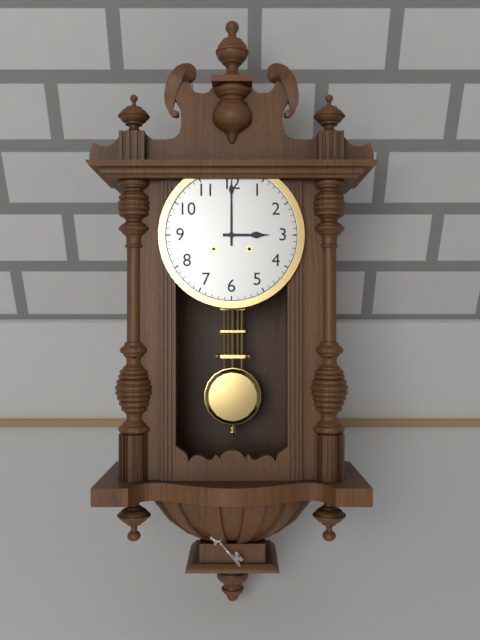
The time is 3h00
